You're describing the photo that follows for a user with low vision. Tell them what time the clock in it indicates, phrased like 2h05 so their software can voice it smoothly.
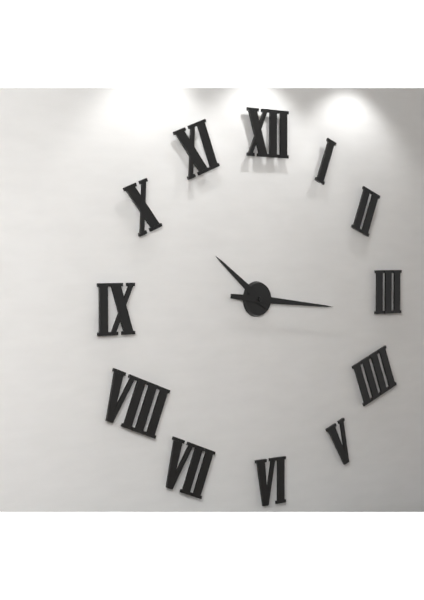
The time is 10h16
